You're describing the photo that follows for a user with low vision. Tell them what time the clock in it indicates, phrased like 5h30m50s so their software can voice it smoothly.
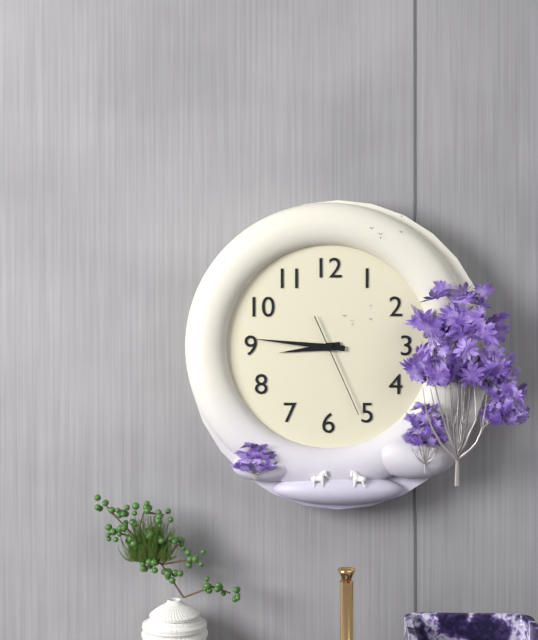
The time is 8h46m26s
